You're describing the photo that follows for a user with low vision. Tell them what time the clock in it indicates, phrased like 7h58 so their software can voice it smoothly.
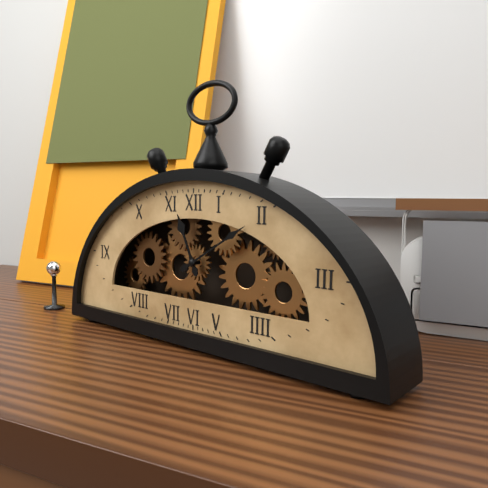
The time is 11h10
